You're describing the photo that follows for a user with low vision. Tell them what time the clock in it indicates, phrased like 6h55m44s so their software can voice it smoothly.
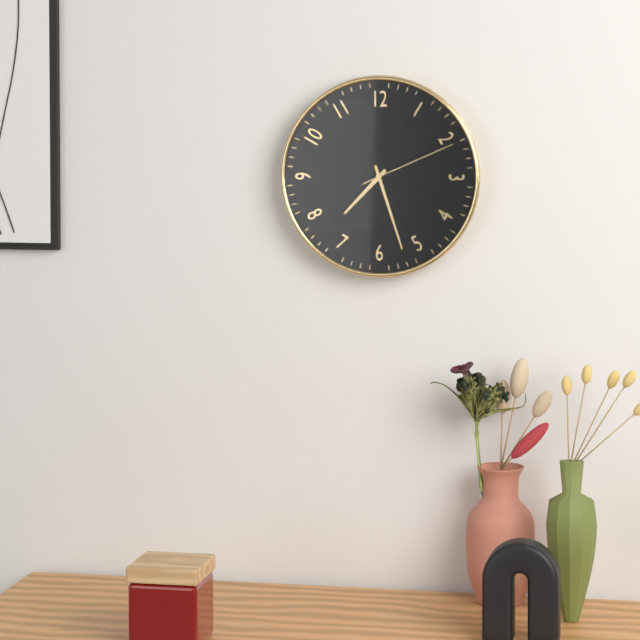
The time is 7h27m11s
